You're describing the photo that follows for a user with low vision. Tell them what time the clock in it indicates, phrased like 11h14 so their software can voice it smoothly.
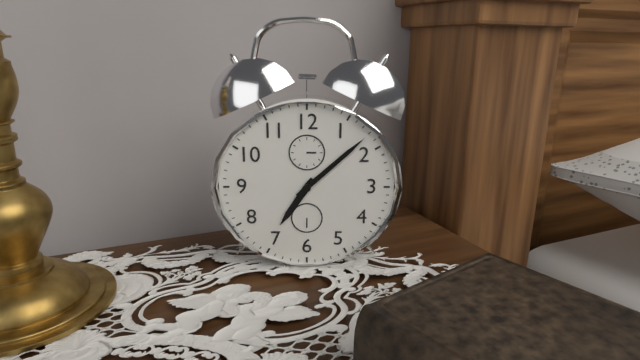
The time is 7h08
